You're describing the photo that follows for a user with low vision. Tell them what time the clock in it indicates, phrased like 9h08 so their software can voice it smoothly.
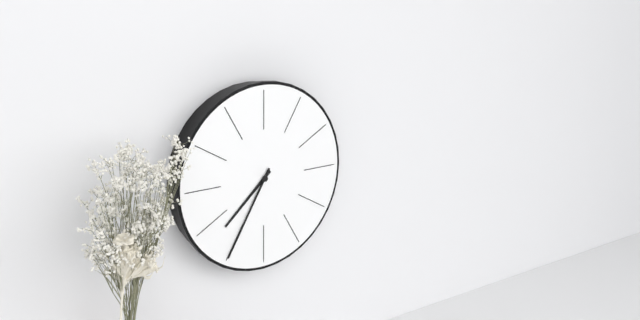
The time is 7h35
